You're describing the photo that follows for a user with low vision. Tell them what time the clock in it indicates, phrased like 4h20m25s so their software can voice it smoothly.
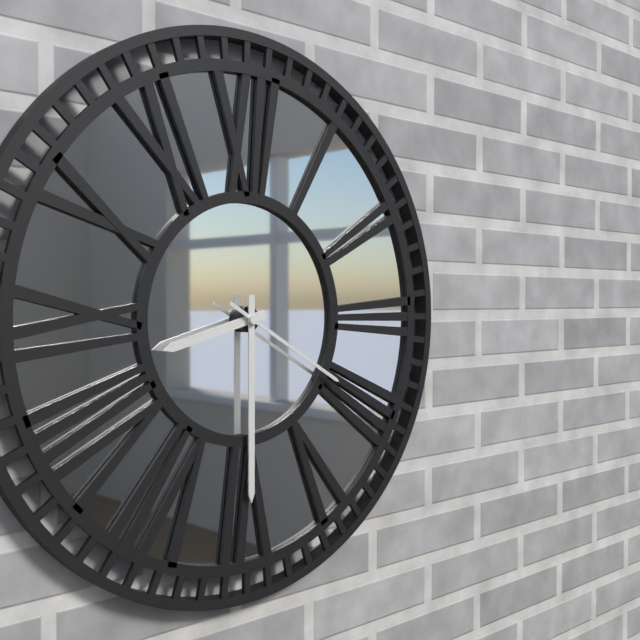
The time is 8h30m20s
